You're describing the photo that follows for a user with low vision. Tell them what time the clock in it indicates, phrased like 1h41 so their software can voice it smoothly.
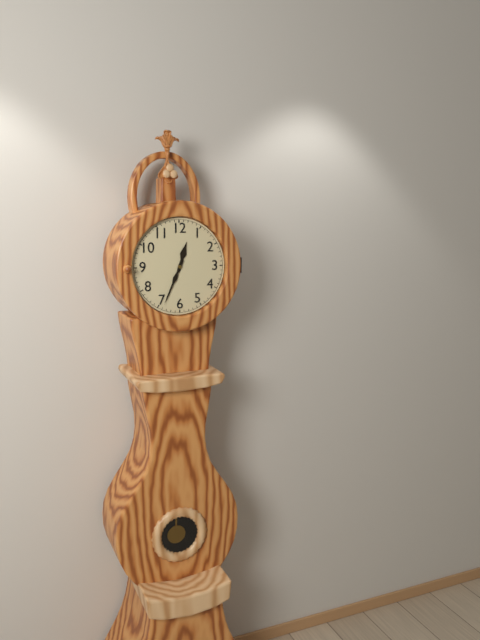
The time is 12h34
